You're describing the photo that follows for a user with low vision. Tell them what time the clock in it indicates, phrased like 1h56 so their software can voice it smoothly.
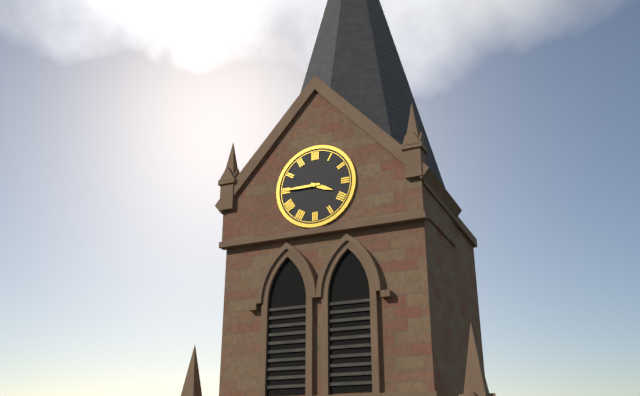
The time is 3h45
